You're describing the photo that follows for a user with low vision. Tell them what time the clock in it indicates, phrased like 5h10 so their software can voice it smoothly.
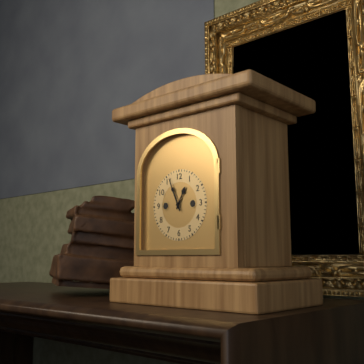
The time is 12h56
